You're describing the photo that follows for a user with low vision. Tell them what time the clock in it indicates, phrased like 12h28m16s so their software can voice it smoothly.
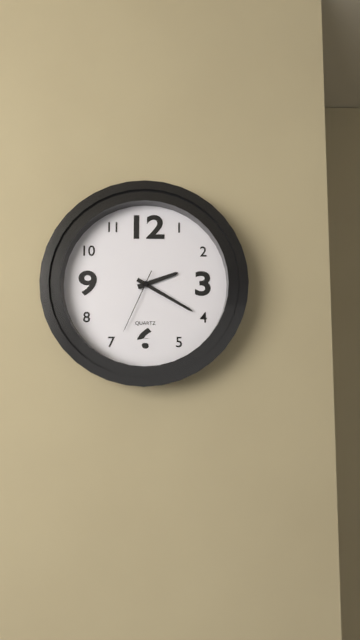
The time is 2h20m34s
